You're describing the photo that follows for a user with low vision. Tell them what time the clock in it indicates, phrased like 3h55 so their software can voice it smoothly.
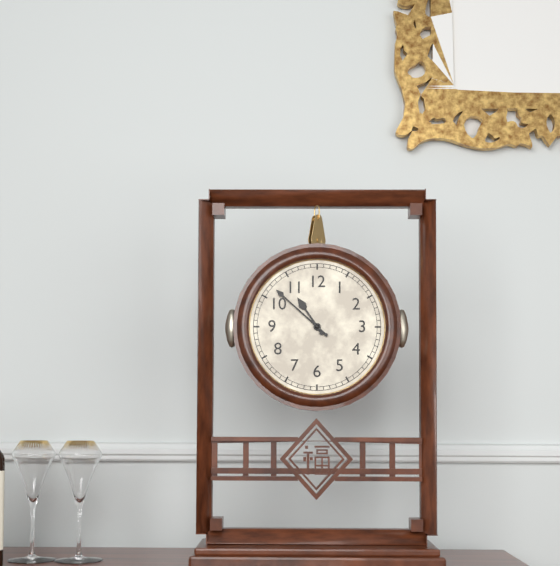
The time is 10h52
